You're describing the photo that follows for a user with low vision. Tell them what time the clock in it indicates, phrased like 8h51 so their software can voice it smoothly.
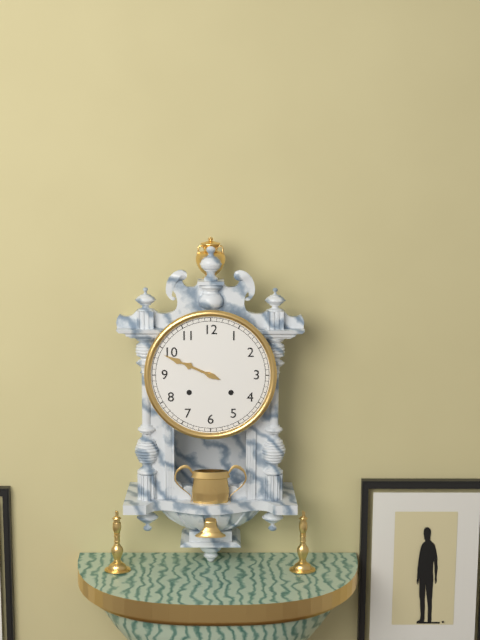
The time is 9h49
